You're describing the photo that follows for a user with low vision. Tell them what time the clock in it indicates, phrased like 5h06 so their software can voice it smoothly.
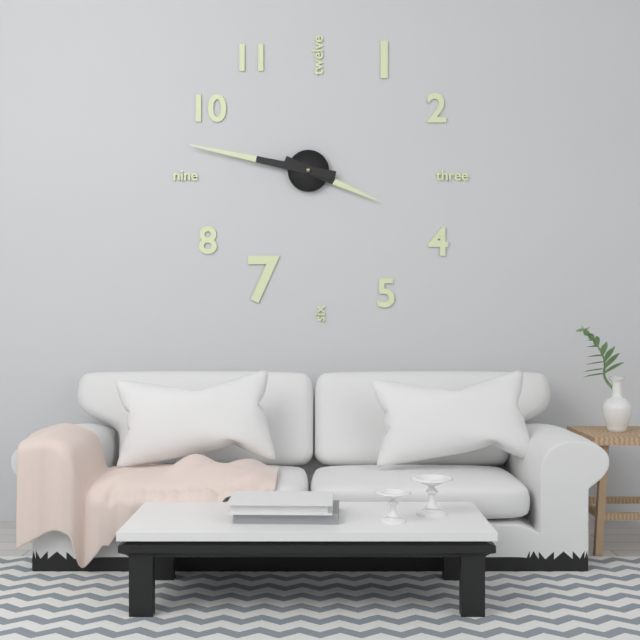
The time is 3h47
